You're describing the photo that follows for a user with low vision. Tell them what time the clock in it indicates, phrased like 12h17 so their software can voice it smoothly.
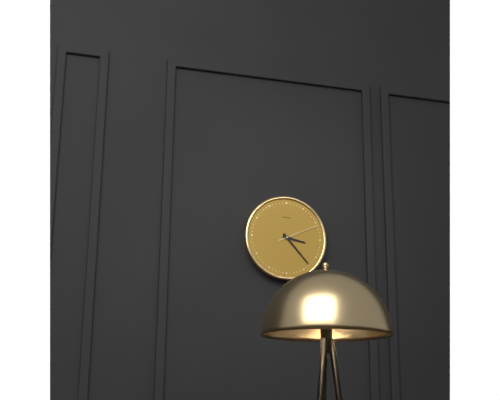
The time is 3h23
